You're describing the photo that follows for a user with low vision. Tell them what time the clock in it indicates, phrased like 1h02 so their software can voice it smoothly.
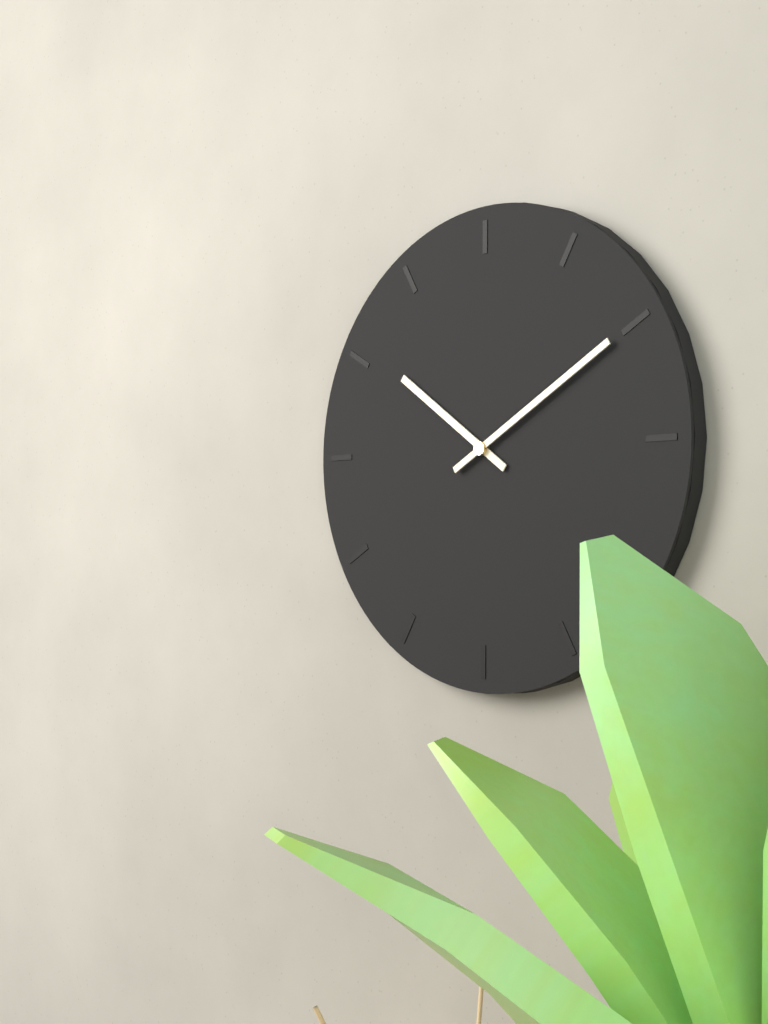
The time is 10h10
